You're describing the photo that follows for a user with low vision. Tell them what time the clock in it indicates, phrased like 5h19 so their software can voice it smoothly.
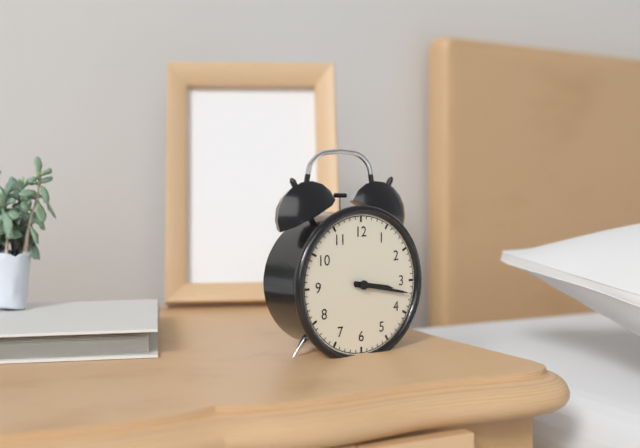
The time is 3h17
